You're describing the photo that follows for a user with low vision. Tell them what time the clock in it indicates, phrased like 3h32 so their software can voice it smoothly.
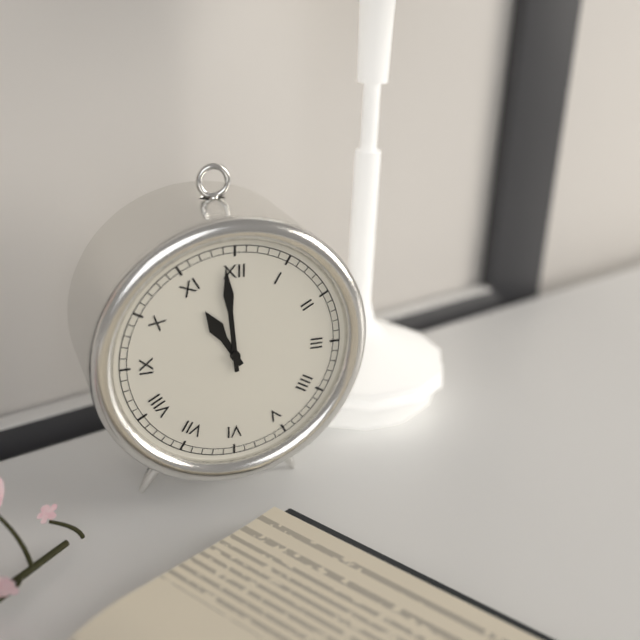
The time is 10h59
